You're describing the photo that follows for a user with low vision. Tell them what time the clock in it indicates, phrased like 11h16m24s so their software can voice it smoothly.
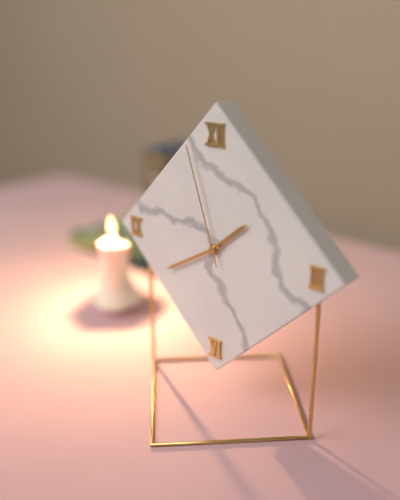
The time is 1h40m57s
